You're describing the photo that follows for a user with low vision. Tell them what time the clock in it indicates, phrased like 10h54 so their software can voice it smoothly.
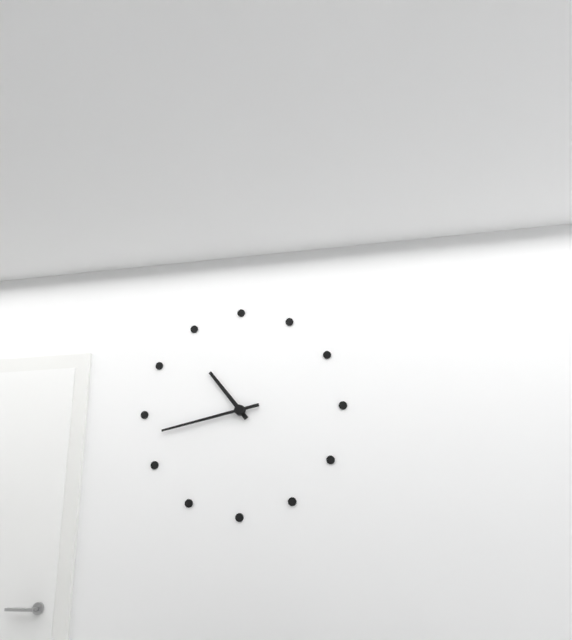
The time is 10h43
